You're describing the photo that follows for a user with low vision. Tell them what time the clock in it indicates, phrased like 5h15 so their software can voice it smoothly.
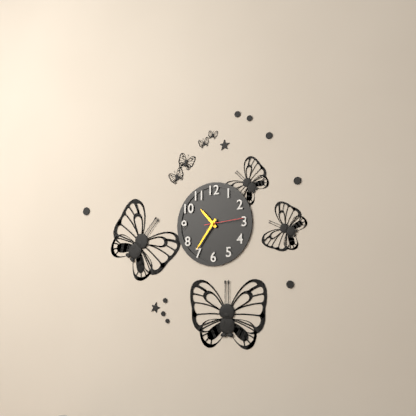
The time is 10h36
